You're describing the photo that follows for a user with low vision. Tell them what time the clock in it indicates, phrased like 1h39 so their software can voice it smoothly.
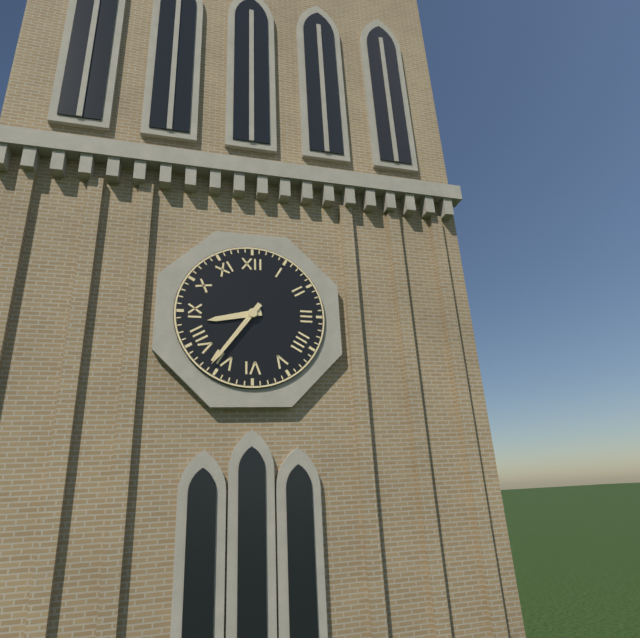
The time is 8h36
